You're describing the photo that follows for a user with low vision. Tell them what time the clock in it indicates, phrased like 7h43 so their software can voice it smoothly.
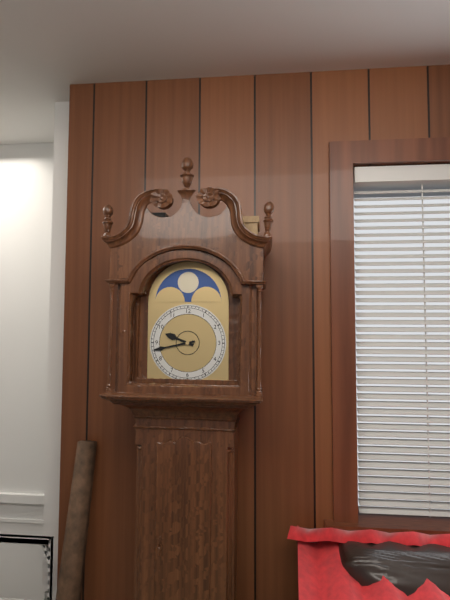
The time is 9h43
